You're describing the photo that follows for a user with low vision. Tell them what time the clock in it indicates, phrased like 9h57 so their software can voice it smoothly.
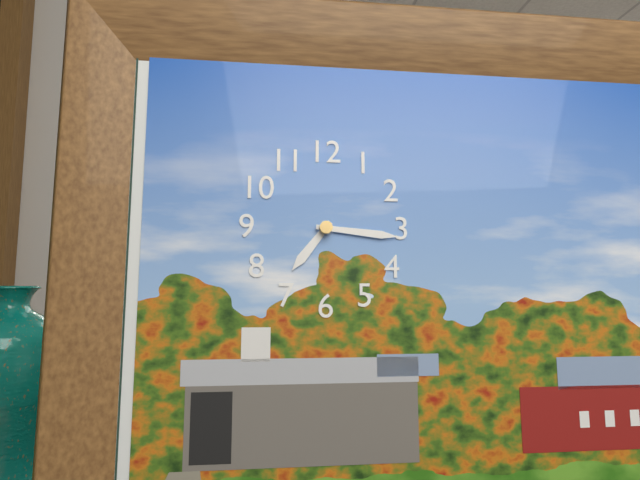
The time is 7h16
